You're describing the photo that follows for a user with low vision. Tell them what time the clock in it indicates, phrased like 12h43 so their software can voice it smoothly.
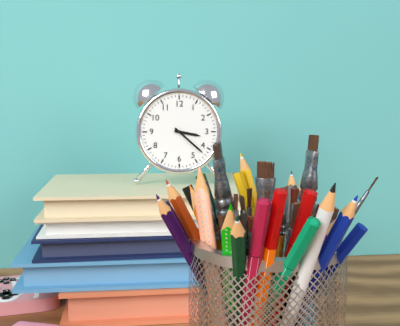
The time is 3h22
